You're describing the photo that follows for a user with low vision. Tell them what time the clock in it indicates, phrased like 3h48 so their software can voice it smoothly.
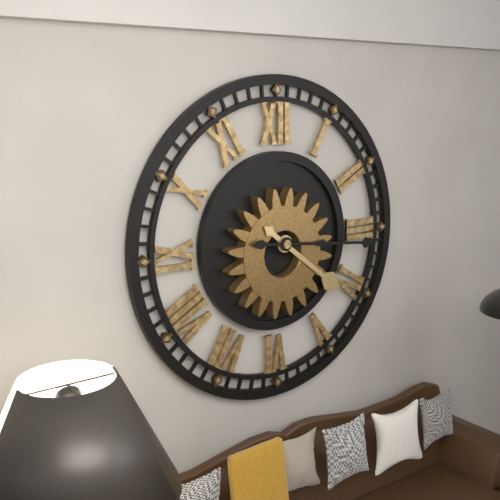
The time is 4h16
